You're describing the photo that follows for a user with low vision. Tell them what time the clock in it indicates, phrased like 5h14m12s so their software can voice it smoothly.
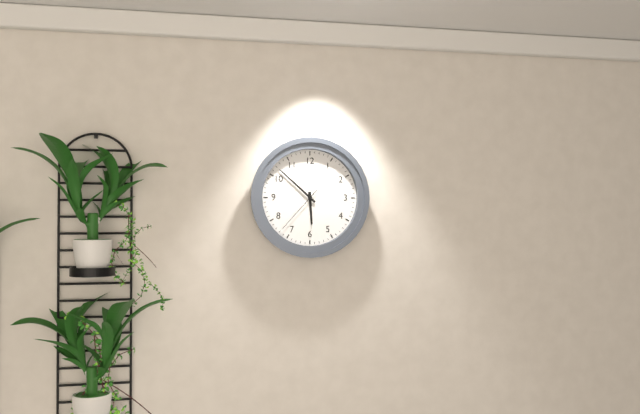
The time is 5h52m37s
